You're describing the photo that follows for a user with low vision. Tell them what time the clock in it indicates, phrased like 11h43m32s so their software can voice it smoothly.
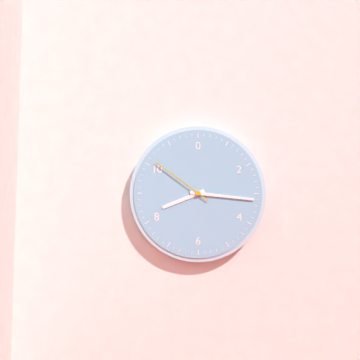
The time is 8h16m51s
